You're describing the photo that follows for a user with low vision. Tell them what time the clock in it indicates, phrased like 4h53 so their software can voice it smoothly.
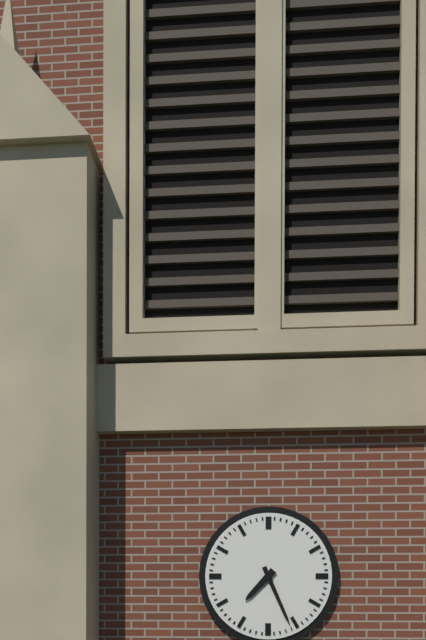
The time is 7h26
